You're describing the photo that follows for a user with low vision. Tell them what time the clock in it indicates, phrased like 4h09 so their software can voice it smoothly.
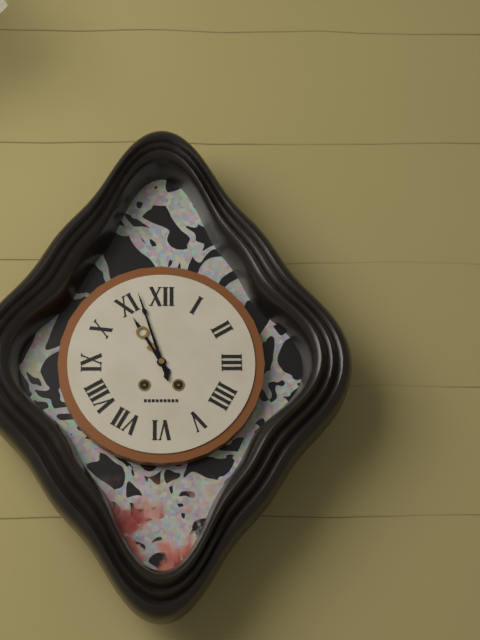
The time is 10h57
